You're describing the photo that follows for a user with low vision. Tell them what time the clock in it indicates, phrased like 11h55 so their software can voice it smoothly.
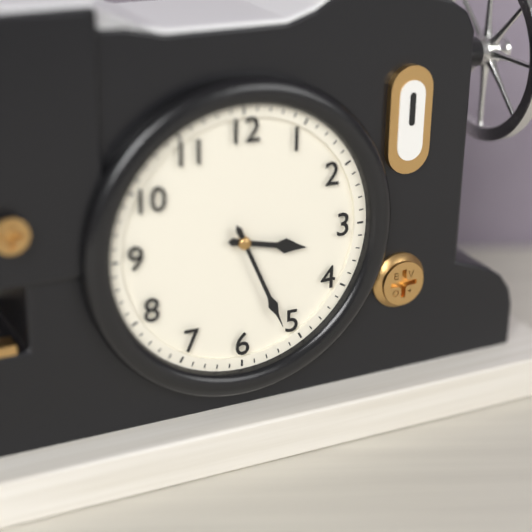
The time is 3h26
